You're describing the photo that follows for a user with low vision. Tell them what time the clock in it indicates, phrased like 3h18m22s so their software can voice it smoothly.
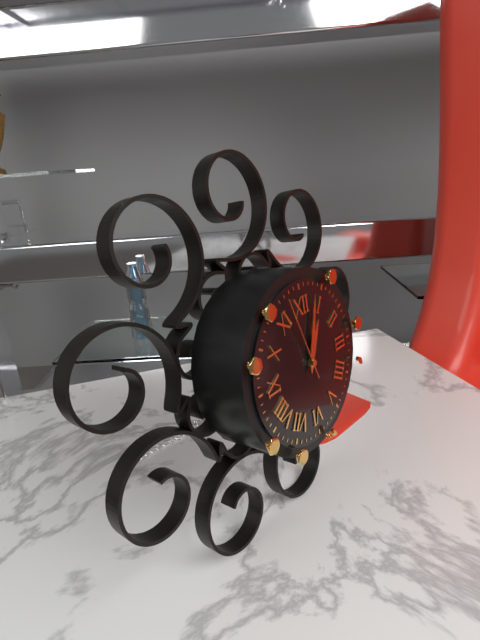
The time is 1h03m57s
